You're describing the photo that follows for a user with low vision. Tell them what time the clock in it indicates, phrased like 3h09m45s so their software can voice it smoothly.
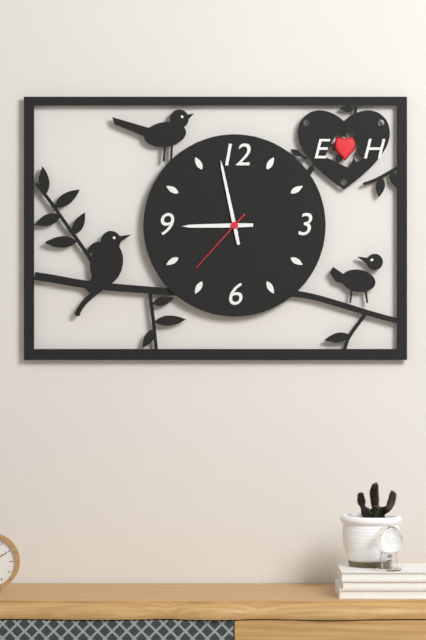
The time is 8h58m37s
